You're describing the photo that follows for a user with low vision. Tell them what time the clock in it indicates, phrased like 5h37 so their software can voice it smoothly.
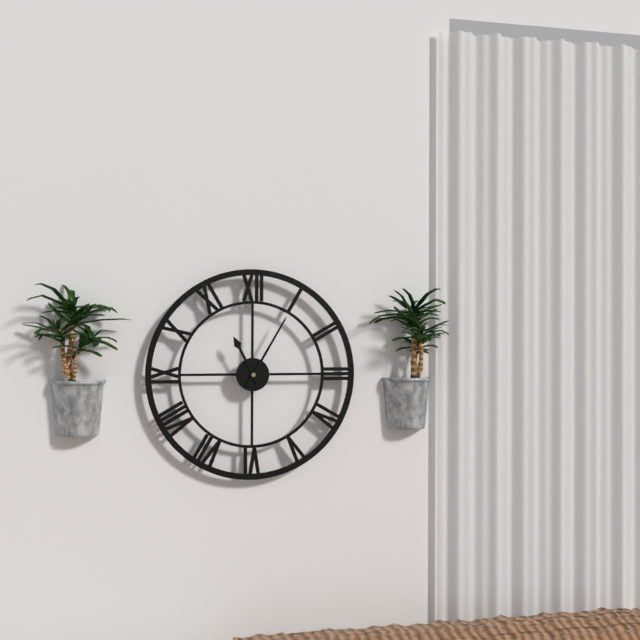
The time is 11h05
